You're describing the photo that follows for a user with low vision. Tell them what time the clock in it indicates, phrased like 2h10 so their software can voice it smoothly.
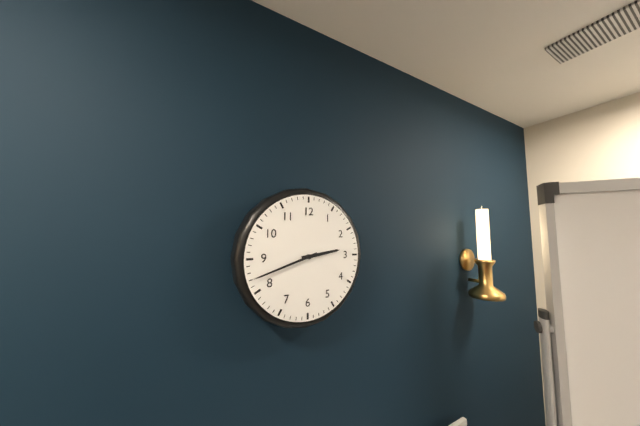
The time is 2h42
